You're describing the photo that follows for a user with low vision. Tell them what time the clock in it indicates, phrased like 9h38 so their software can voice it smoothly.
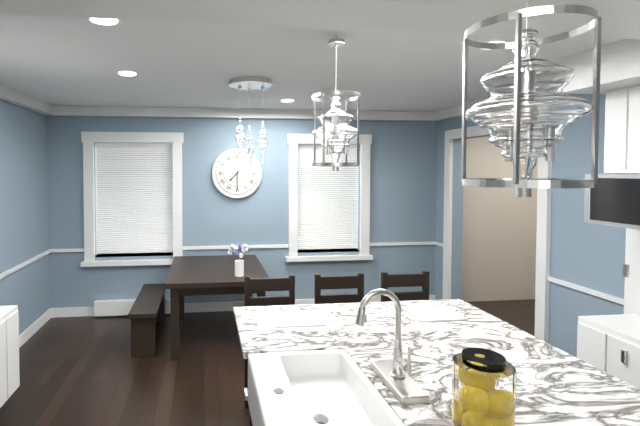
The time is 7h30
